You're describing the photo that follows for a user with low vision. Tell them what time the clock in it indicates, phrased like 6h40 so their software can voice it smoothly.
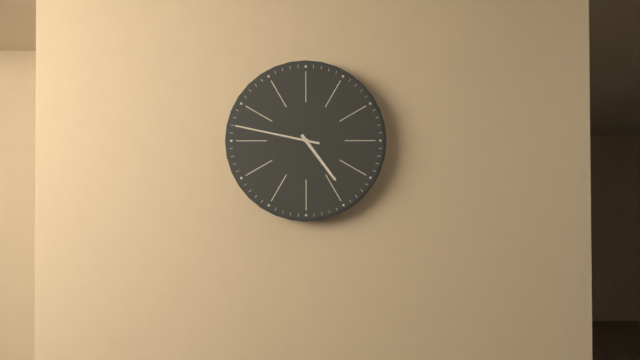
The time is 4h47
